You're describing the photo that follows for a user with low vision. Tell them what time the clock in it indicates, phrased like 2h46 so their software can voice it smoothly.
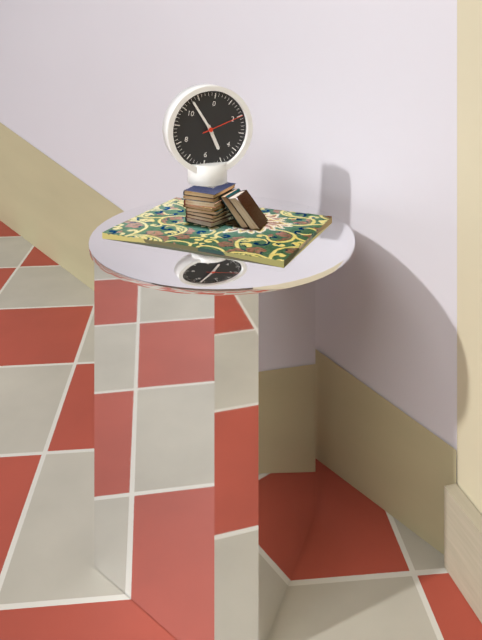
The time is 4h53
